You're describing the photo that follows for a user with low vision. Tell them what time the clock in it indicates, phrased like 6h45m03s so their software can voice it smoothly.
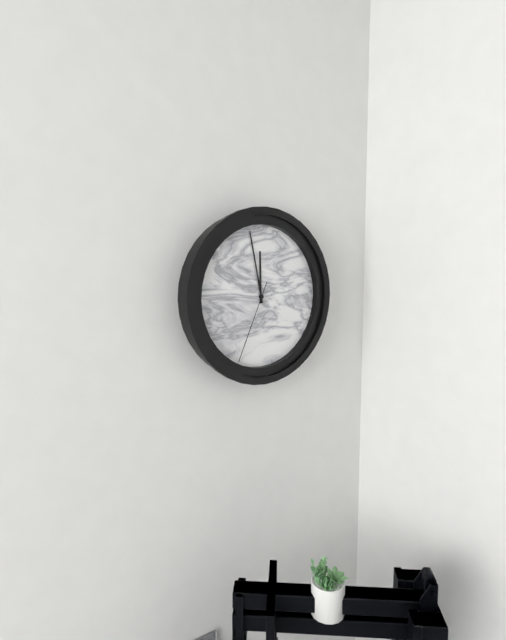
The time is 11h58m34s
